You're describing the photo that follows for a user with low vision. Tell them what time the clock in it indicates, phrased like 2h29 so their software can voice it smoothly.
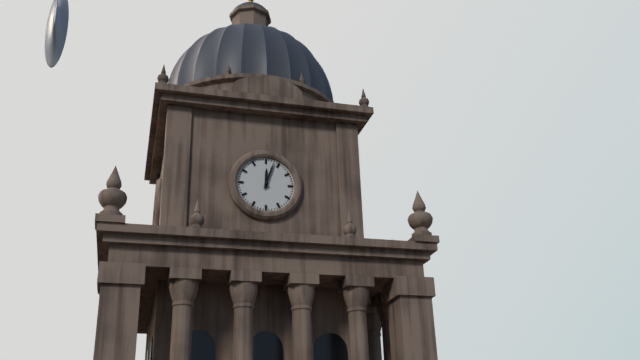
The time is 12h03
